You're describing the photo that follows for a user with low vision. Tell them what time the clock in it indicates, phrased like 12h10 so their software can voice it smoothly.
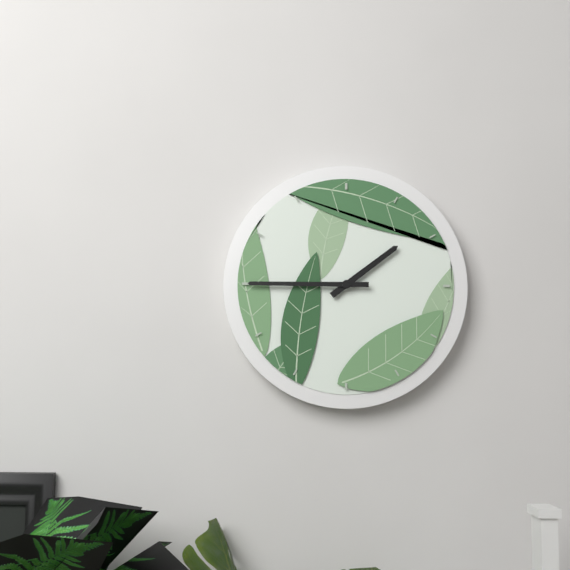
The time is 1h45
